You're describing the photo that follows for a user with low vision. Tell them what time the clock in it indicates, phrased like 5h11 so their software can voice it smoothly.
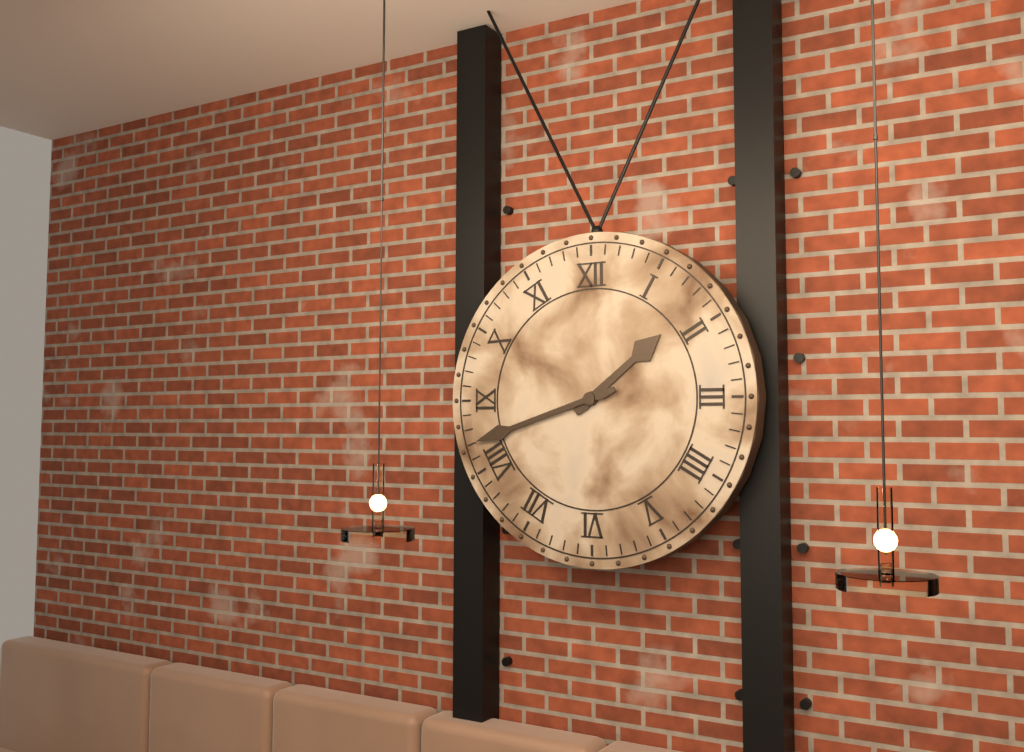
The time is 1h42
